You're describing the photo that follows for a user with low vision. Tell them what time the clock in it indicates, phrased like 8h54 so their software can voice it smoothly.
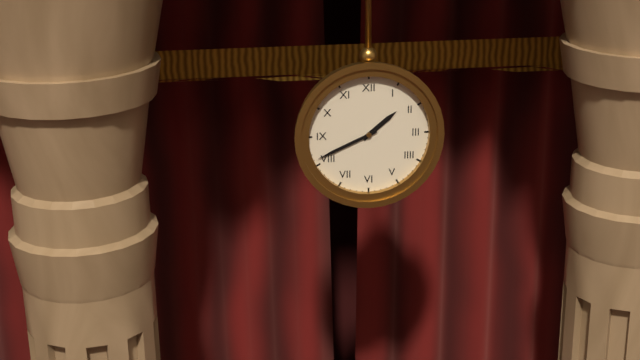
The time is 1h41
